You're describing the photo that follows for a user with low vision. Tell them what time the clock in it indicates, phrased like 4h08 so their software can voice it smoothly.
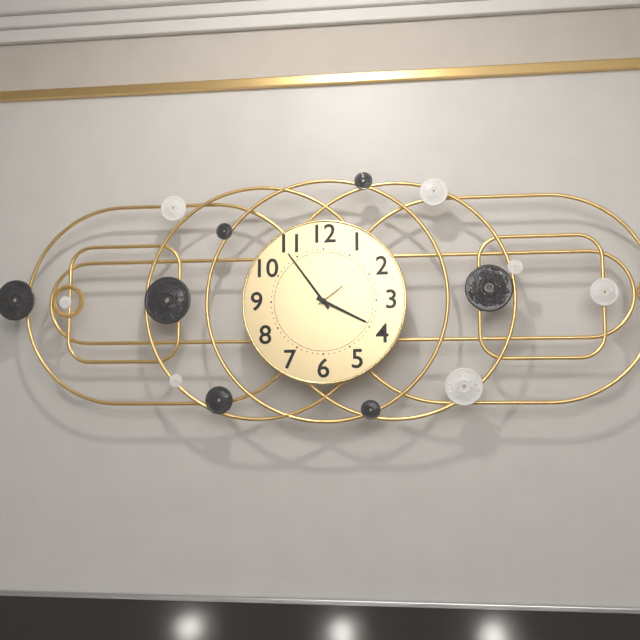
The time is 3h54
